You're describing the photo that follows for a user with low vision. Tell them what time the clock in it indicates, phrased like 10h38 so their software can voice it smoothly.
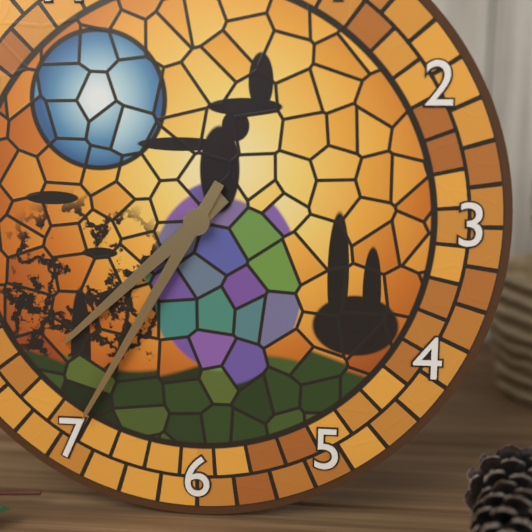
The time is 7h35
